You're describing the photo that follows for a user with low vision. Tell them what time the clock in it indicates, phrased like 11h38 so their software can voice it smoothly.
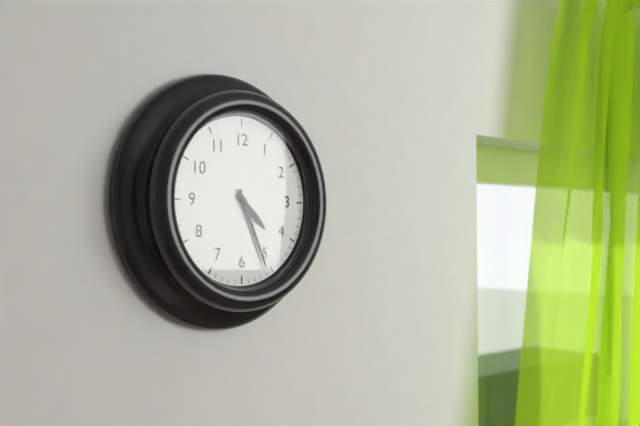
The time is 4h26
